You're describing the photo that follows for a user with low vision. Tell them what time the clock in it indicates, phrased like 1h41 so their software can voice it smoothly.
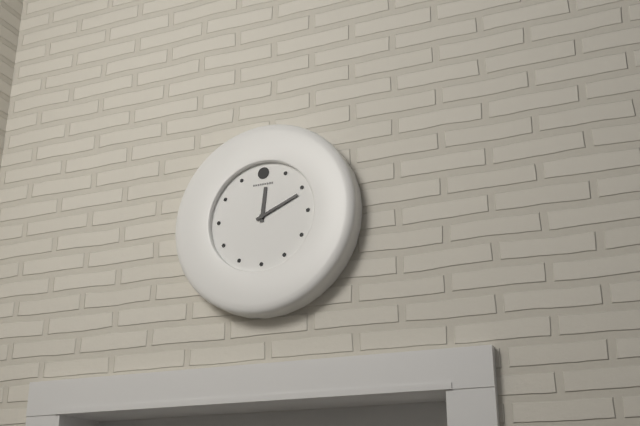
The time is 12h11
